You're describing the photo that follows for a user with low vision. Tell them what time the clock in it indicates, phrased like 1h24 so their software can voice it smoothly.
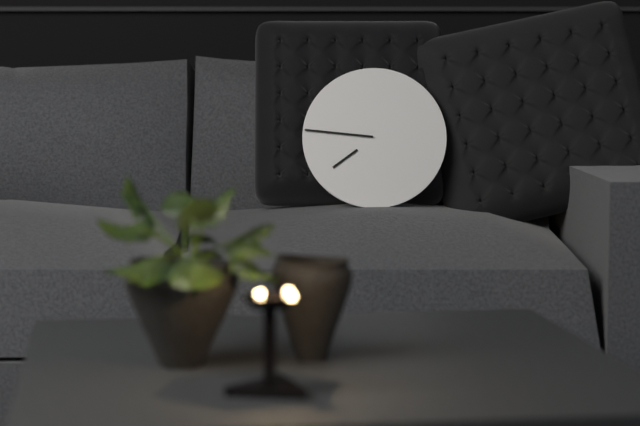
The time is 7h46
